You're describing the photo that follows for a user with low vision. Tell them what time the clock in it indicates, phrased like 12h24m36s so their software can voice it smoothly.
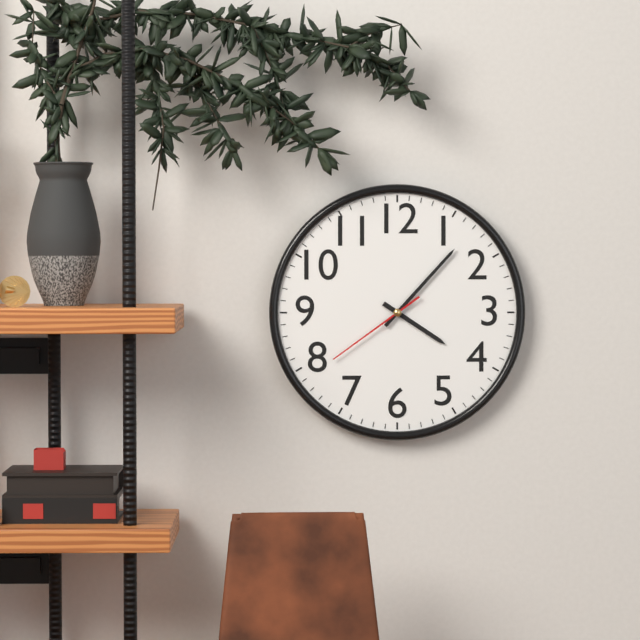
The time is 4h07m39s
